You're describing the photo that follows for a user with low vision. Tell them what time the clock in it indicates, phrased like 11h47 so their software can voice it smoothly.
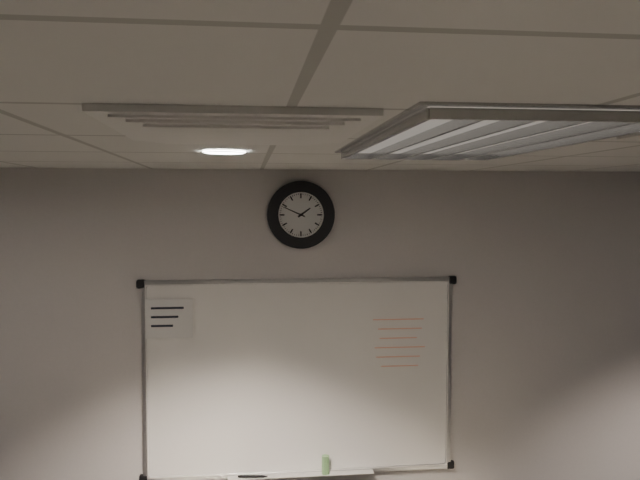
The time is 1h49
